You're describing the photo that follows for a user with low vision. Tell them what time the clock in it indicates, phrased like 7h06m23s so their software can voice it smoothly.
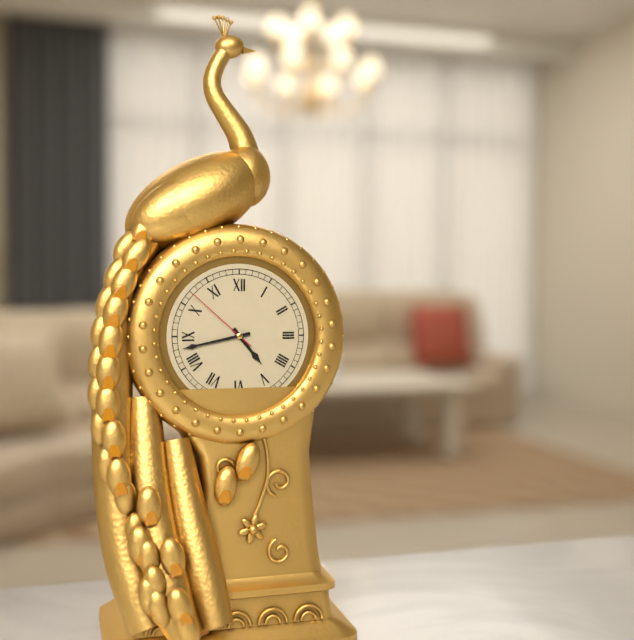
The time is 4h43m52s
